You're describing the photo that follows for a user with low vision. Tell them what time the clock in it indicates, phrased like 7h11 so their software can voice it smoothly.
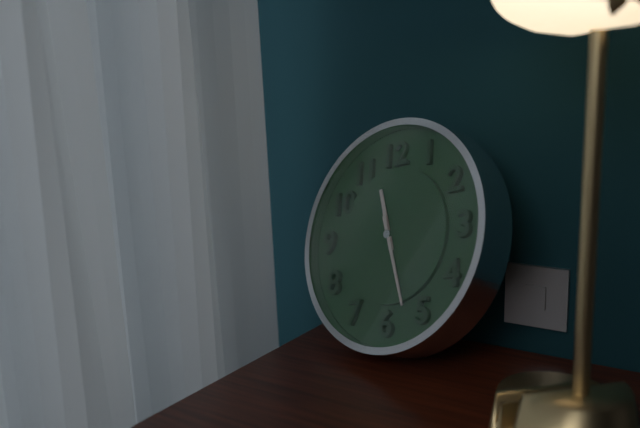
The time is 11h27
